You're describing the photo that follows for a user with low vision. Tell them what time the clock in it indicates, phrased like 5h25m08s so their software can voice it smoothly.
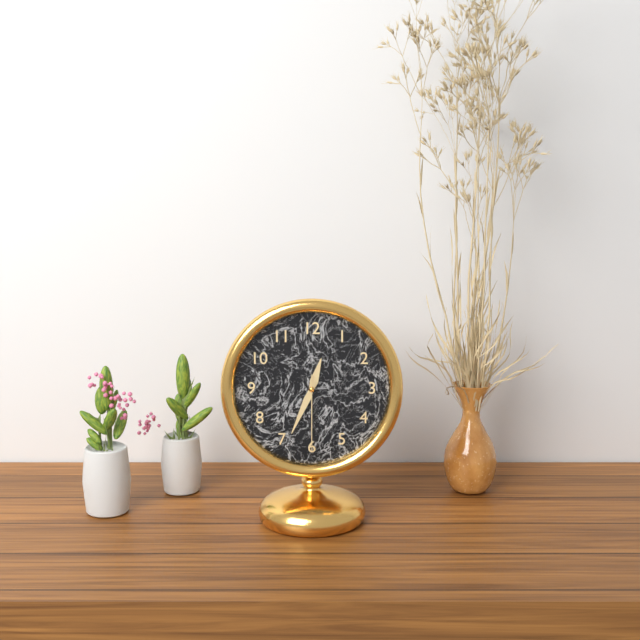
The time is 12h34m30s
